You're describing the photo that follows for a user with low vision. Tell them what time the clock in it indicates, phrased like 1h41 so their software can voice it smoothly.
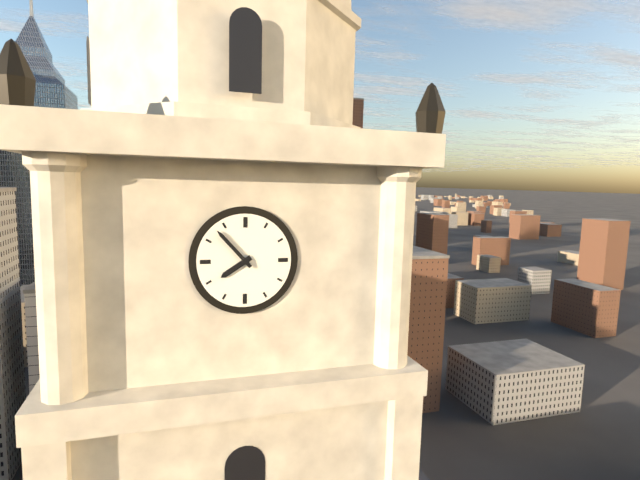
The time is 7h53
